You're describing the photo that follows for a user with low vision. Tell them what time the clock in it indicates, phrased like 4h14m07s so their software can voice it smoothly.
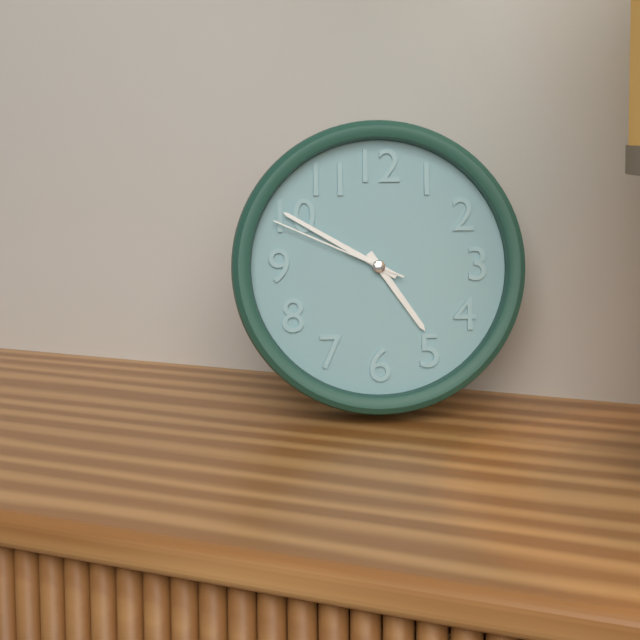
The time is 4h50m49s
